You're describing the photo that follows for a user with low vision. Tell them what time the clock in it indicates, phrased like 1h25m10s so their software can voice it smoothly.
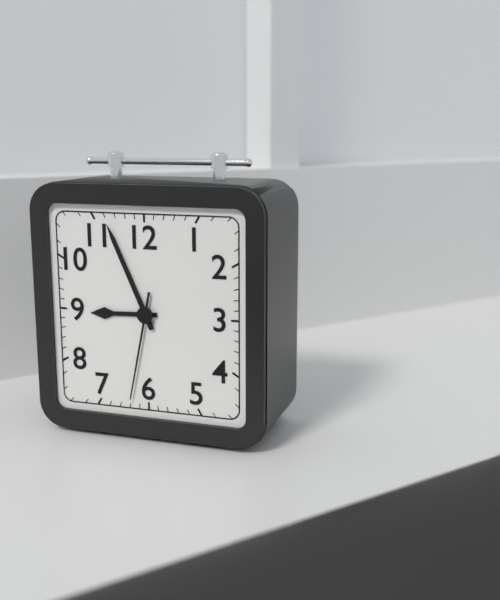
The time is 8h56m32s
